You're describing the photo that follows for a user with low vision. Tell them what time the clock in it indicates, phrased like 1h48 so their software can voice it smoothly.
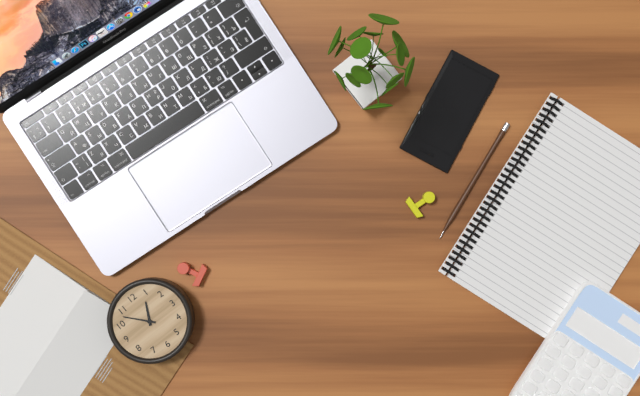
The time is 12h53
